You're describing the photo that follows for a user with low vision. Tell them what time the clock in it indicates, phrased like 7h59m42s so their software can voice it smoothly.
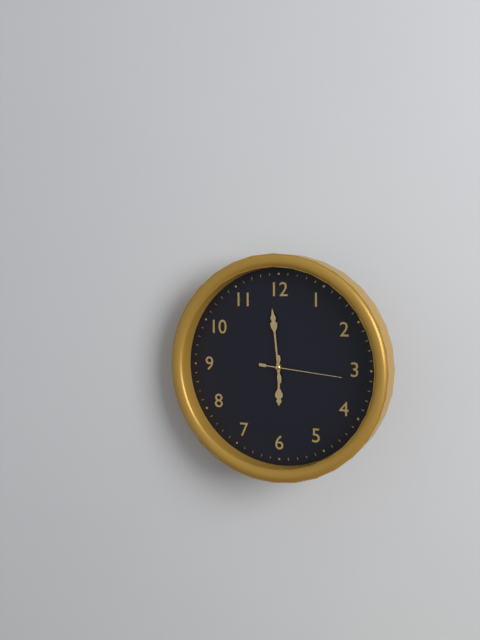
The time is 5h59m16s
